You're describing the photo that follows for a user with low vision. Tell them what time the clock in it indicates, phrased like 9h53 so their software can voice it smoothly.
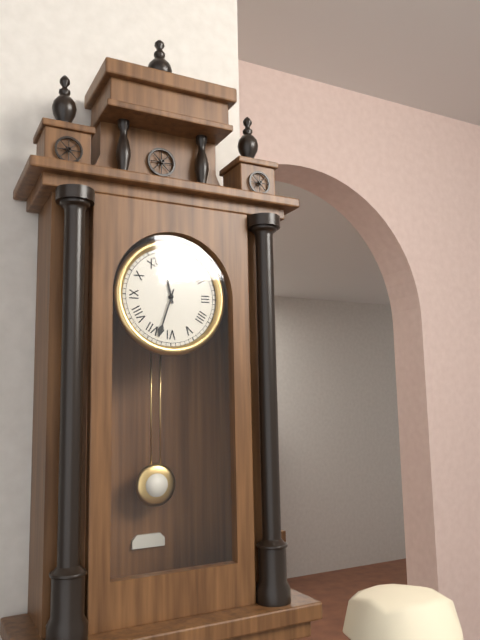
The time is 11h33
